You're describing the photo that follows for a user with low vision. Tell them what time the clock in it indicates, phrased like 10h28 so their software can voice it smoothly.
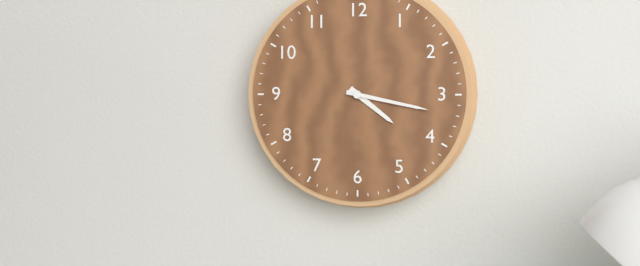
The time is 4h17
